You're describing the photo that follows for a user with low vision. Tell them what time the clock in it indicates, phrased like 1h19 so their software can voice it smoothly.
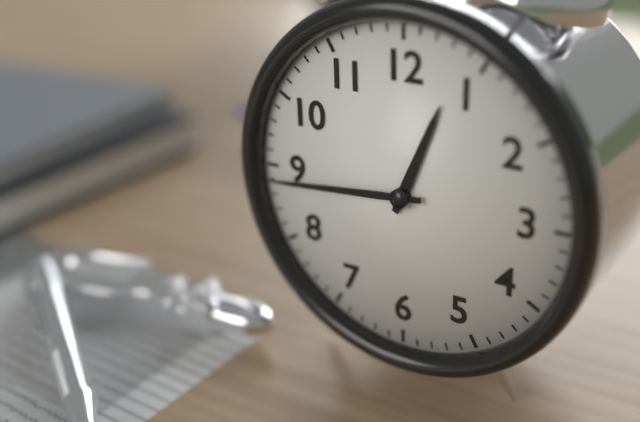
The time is 12h44
